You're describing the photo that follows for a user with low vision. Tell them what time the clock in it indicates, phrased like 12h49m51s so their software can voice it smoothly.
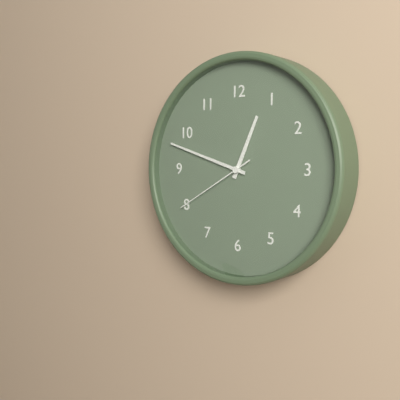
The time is 12h48m40s
